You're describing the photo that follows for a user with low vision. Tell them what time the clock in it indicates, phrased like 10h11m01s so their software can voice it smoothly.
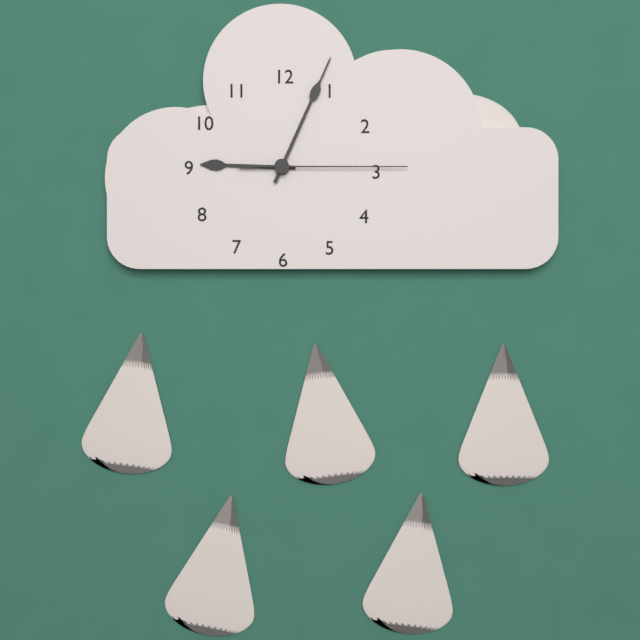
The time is 9h04m15s
